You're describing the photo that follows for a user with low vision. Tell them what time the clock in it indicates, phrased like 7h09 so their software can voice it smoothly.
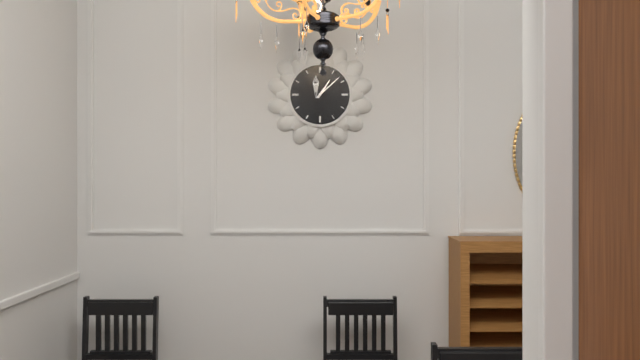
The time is 1h08
